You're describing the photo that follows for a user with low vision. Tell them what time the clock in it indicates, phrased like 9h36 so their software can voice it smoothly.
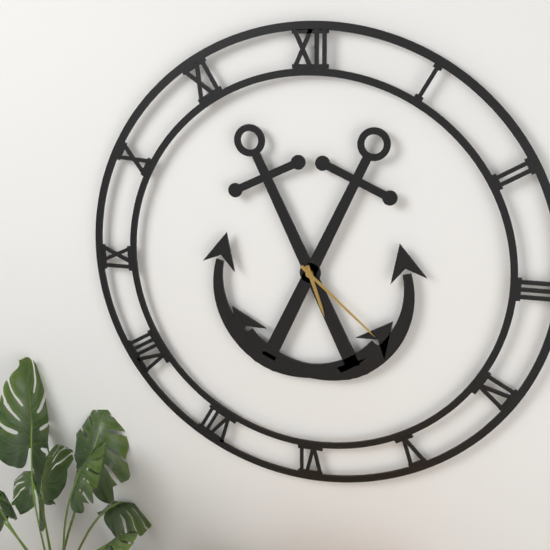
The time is 5h22
